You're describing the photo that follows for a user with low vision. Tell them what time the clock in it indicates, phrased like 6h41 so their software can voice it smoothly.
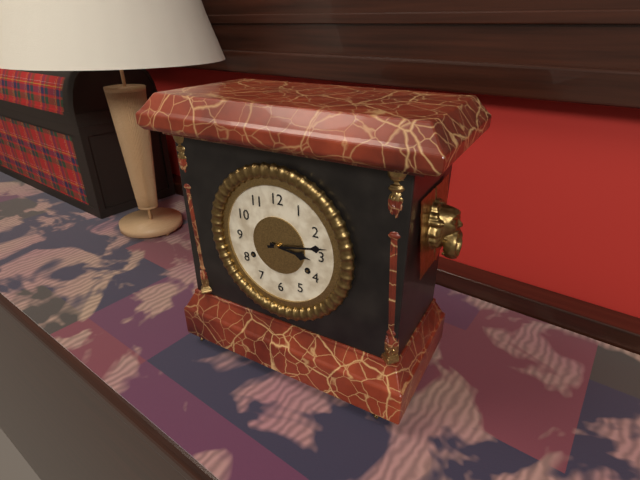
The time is 3h13
